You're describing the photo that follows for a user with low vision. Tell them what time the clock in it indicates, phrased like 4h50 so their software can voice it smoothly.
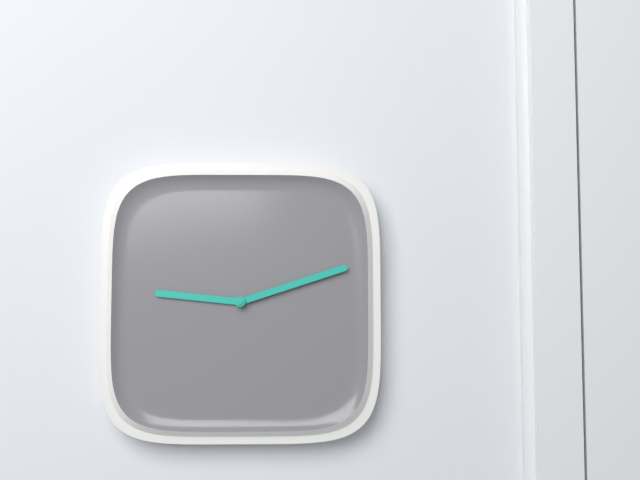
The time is 9h12
